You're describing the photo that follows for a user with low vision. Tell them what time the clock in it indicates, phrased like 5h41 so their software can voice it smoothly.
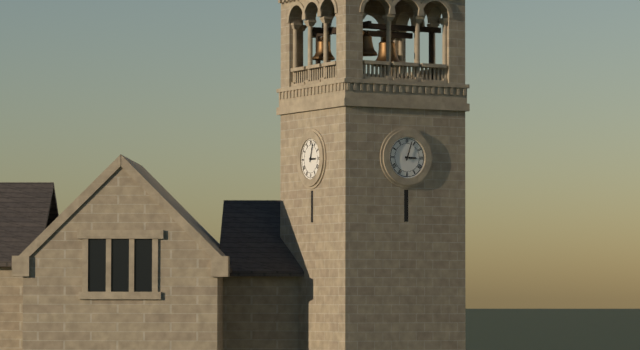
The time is 3h03
